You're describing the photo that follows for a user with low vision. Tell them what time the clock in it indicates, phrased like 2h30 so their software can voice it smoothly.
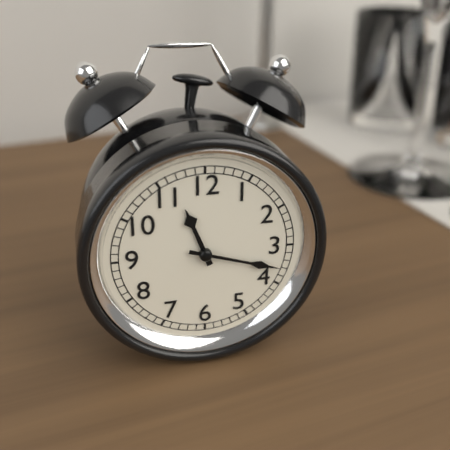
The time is 11h18
